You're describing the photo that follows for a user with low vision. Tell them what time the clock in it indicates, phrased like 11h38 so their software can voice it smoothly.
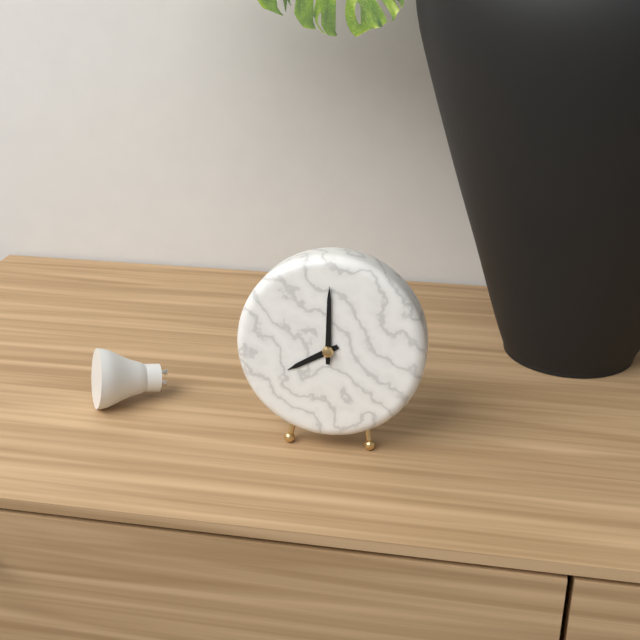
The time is 8h00
